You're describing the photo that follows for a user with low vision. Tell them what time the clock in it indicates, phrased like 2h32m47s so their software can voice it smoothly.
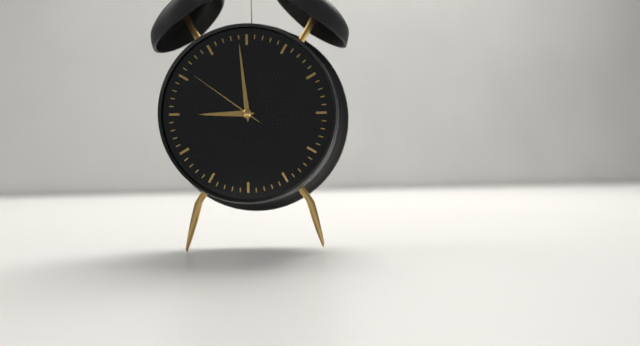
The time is 8h59m51s
